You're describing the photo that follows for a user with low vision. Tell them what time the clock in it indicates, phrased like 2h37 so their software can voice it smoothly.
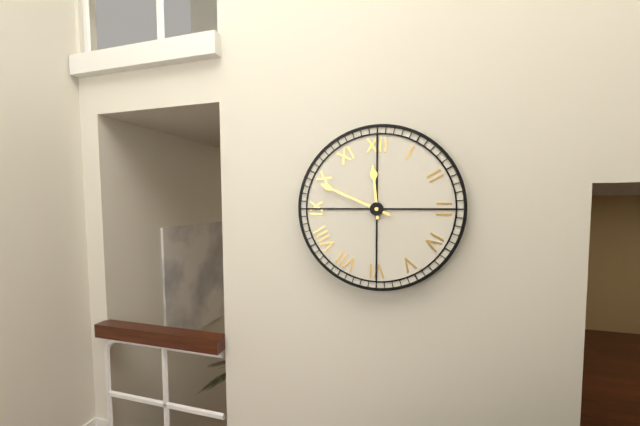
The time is 11h49
